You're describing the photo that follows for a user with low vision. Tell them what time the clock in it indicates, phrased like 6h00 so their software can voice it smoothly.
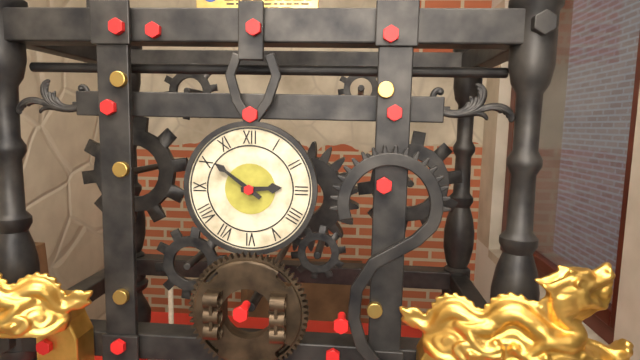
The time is 2h51
